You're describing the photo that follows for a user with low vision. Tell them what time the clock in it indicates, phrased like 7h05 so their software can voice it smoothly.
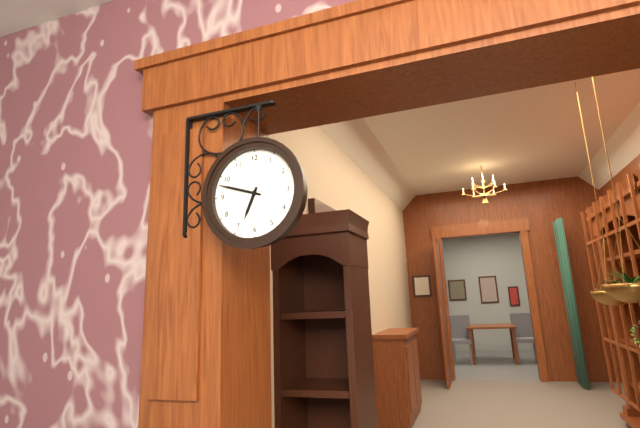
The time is 6h48
